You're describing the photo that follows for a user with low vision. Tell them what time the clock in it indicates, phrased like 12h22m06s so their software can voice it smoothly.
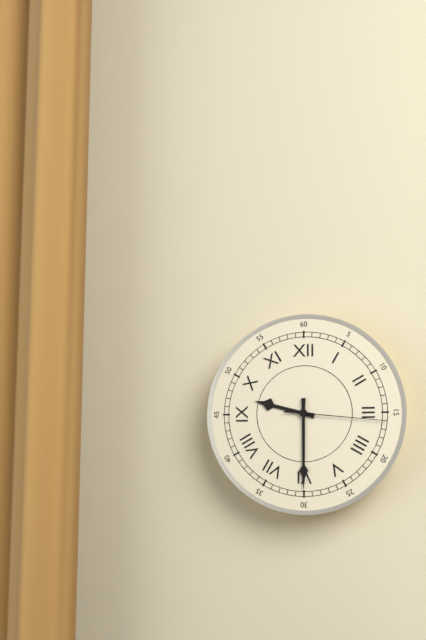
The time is 9h30m16s
